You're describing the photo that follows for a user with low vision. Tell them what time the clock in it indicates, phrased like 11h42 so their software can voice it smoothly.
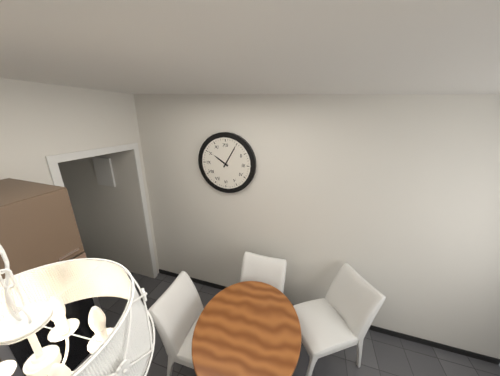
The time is 10h05
